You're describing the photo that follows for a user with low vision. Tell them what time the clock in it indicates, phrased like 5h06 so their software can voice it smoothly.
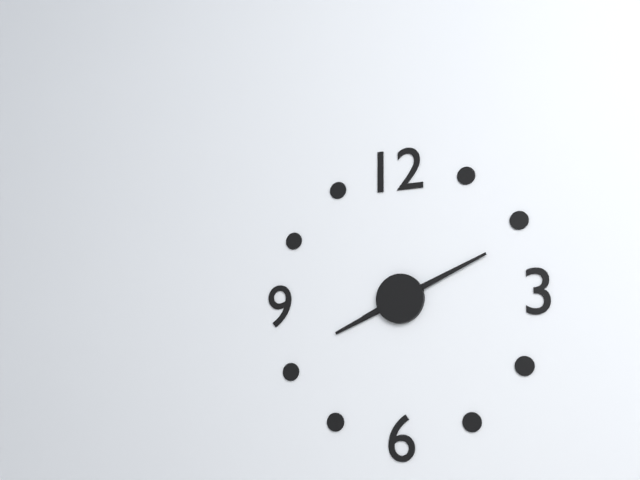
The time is 8h11
